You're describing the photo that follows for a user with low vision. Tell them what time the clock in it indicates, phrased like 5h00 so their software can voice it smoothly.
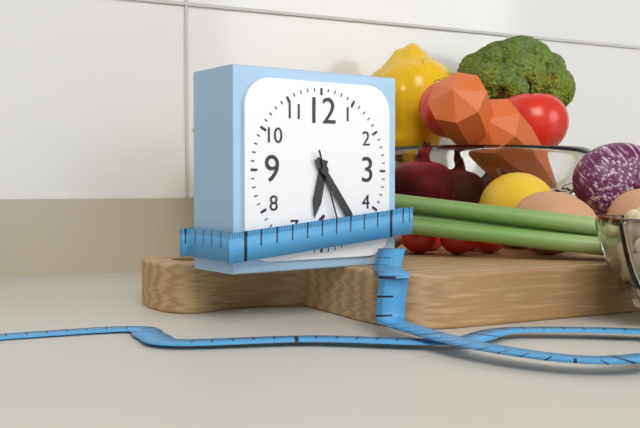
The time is 6h24
